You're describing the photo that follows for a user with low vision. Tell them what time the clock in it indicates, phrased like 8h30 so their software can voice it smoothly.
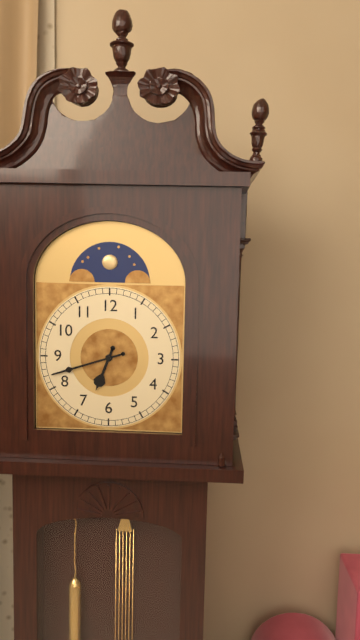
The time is 6h42
